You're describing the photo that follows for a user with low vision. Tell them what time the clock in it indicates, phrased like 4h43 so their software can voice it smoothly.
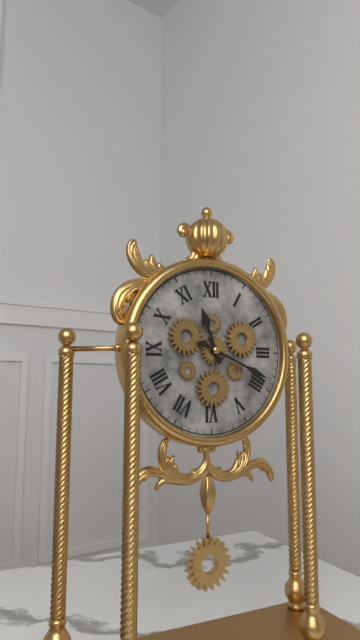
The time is 11h19
